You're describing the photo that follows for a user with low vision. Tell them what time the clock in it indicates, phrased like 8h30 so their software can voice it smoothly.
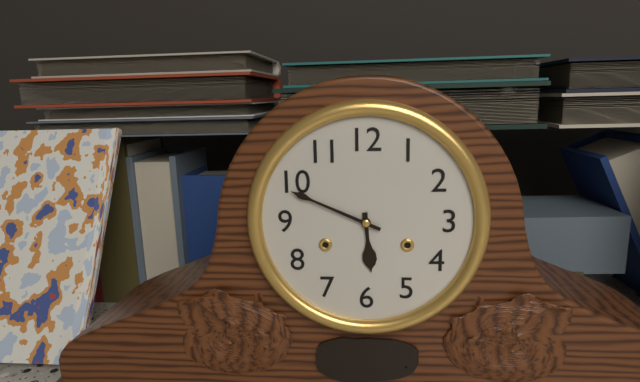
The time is 5h49
